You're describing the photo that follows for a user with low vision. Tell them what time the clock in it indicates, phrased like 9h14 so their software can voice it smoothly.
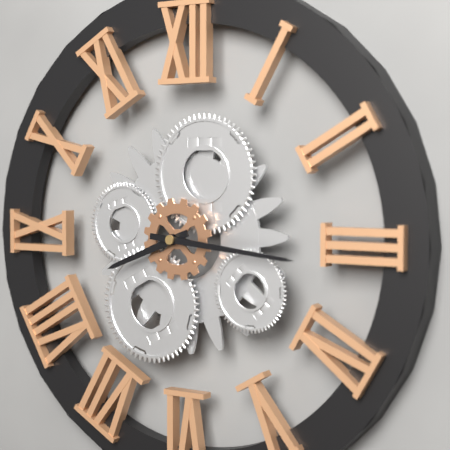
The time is 8h16
